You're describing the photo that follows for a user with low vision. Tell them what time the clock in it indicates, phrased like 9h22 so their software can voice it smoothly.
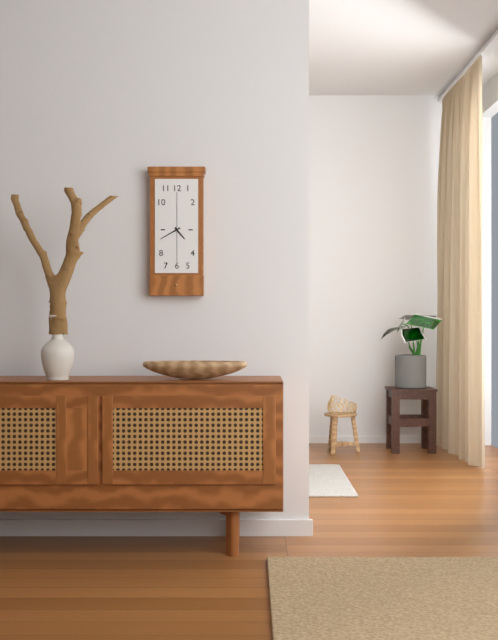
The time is 4h40
